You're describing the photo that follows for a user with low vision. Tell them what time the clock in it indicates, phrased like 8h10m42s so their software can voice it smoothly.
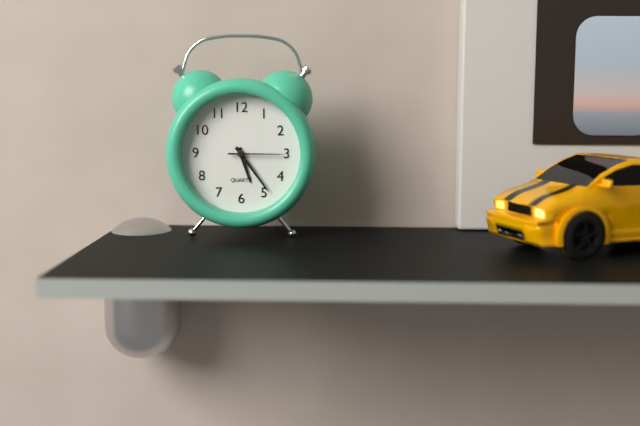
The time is 5h24m15s
